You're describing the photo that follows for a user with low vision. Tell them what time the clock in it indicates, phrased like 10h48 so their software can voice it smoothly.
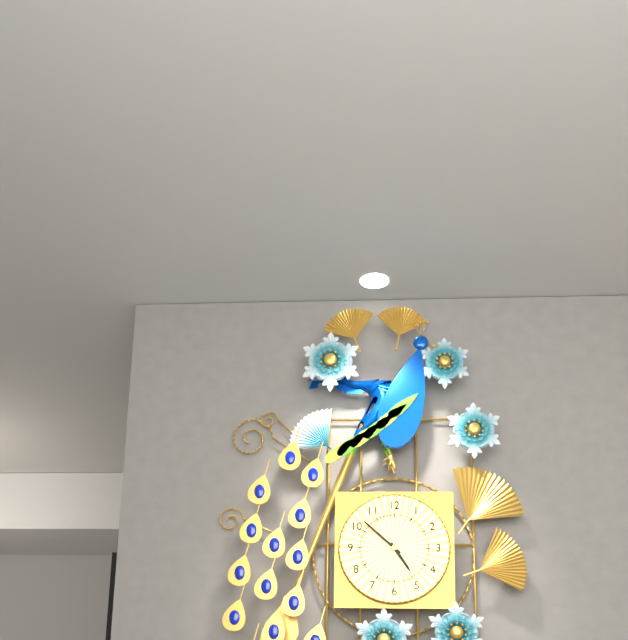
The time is 4h52
